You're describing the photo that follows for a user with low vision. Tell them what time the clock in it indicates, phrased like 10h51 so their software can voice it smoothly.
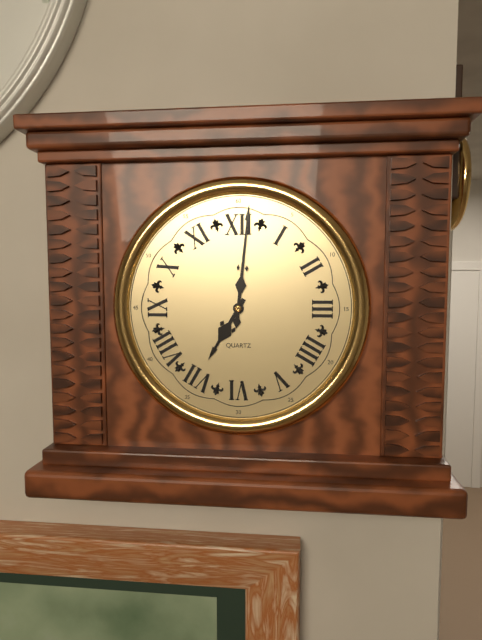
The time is 7h01
